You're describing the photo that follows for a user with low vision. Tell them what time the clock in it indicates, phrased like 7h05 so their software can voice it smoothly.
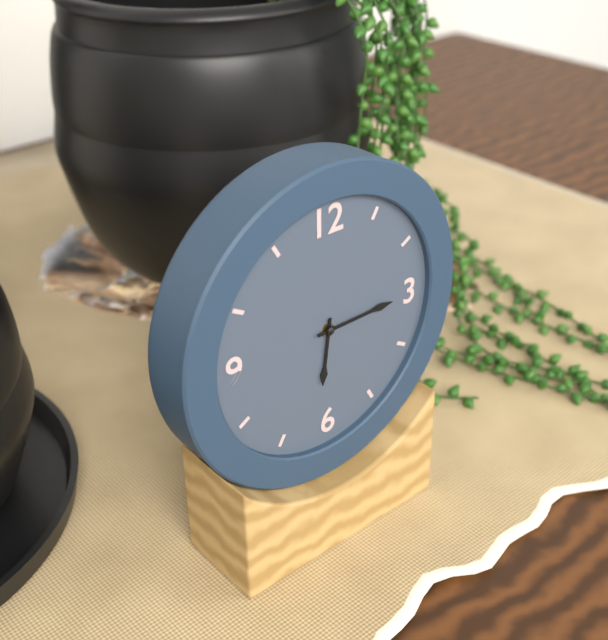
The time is 6h15
